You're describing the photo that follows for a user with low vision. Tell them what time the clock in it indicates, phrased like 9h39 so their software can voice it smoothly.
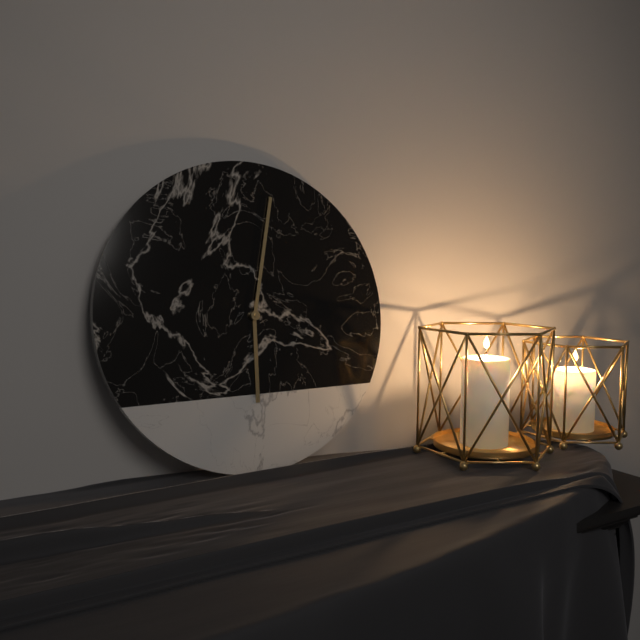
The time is 6h02
